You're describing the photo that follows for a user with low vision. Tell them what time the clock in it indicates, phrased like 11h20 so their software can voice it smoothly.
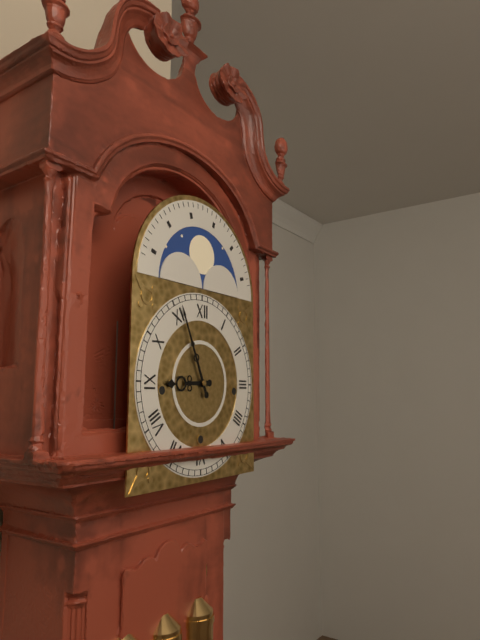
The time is 8h56
